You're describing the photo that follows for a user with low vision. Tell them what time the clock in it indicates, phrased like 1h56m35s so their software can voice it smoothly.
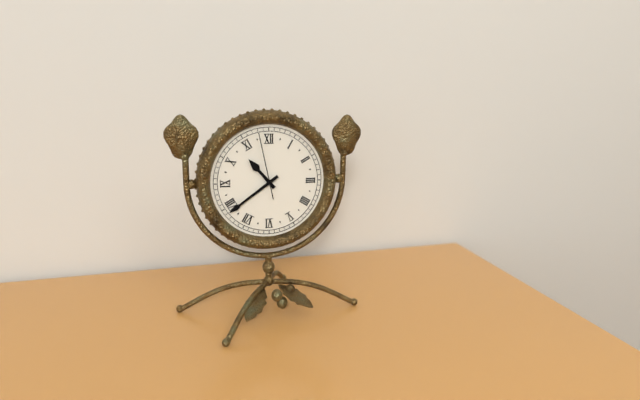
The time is 10h39m58s
